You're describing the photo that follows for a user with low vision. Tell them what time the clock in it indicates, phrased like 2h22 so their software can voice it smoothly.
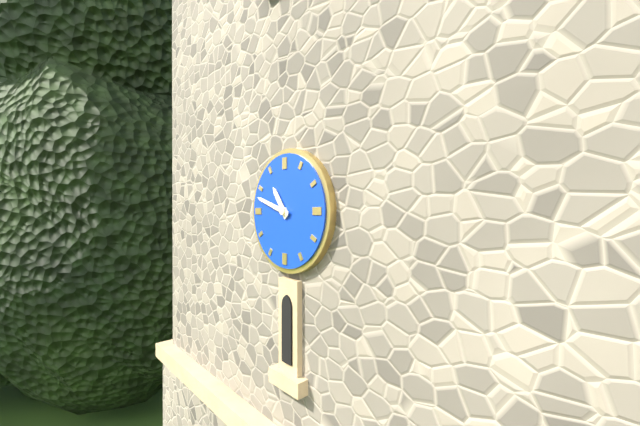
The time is 10h48
